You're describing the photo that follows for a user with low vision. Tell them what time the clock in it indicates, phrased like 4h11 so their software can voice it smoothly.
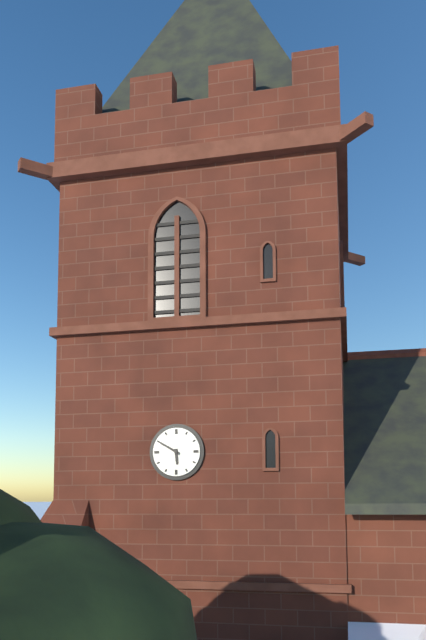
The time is 5h50
